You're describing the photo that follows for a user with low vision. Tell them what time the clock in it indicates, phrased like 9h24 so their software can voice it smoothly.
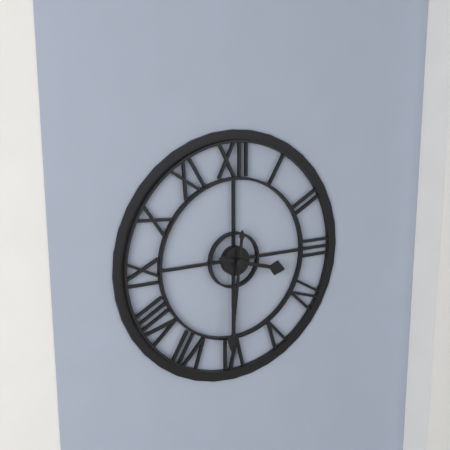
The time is 3h31
